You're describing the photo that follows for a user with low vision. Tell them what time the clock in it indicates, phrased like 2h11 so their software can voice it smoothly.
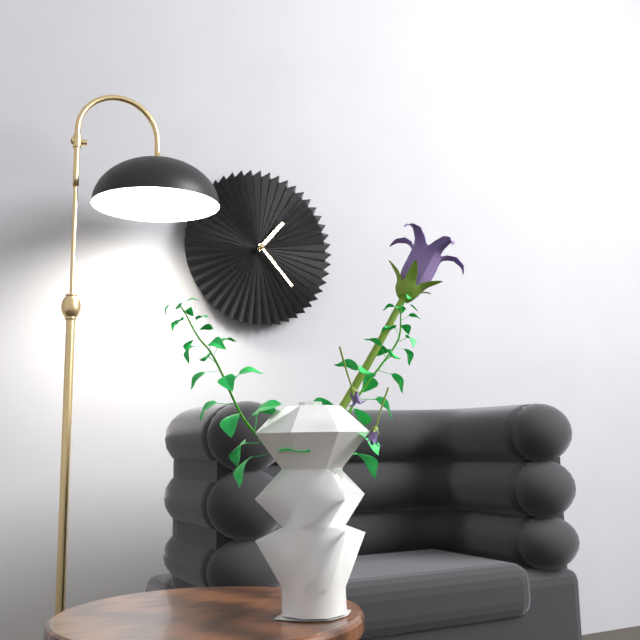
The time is 1h23
